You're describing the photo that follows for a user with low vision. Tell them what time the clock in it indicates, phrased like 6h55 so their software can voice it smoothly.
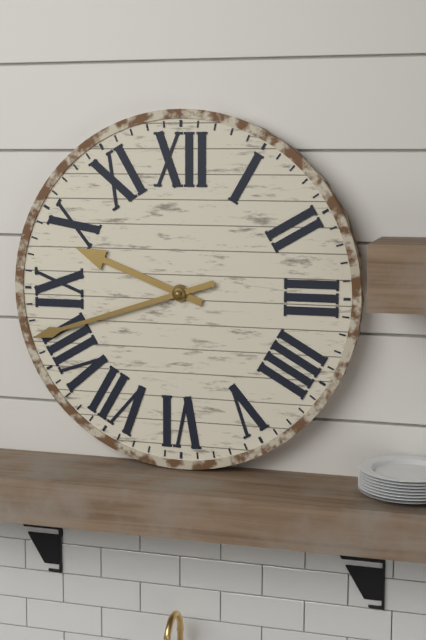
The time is 9h42
